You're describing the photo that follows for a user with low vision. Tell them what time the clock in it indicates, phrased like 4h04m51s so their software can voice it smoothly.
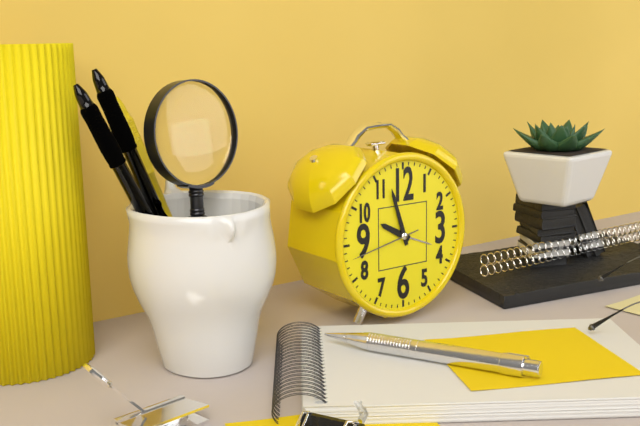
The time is 9h57m43s
